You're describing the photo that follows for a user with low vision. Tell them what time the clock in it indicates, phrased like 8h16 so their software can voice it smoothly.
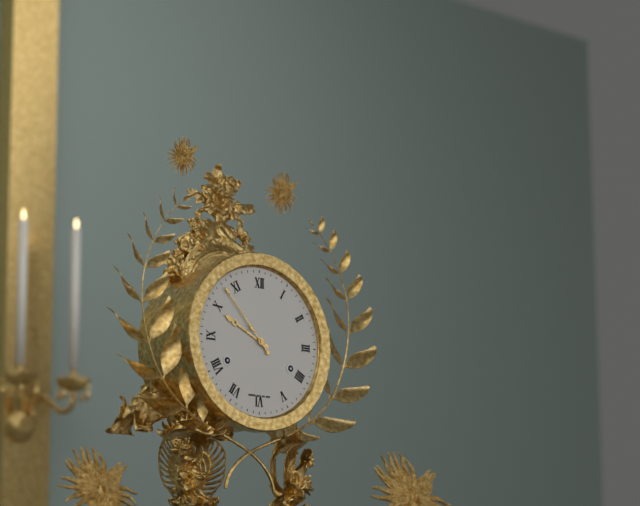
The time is 9h53
